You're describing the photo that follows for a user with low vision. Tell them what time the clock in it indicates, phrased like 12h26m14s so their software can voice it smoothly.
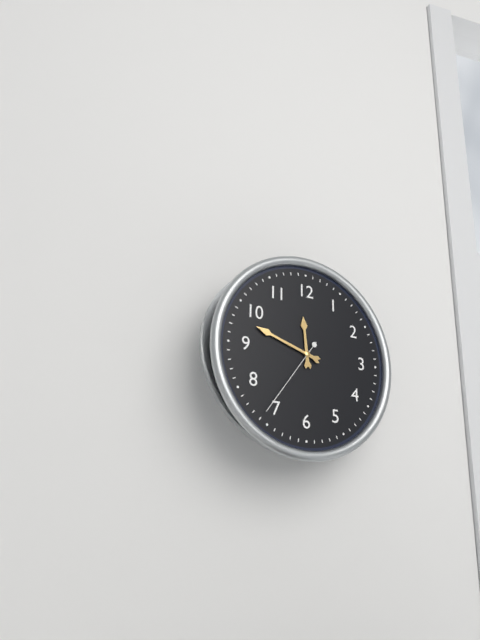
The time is 11h48m36s
